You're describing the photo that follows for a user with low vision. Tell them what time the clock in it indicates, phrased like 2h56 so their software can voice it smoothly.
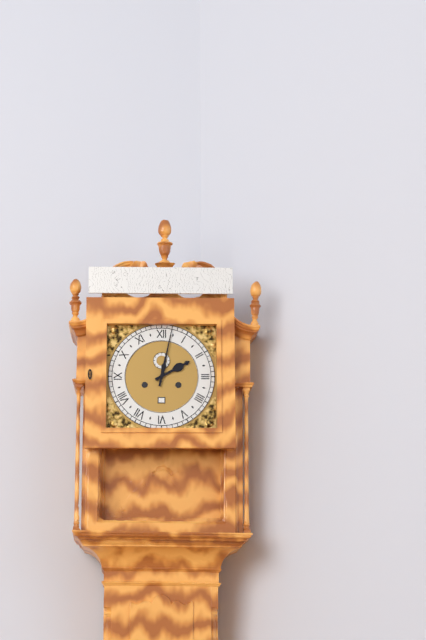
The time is 2h02
